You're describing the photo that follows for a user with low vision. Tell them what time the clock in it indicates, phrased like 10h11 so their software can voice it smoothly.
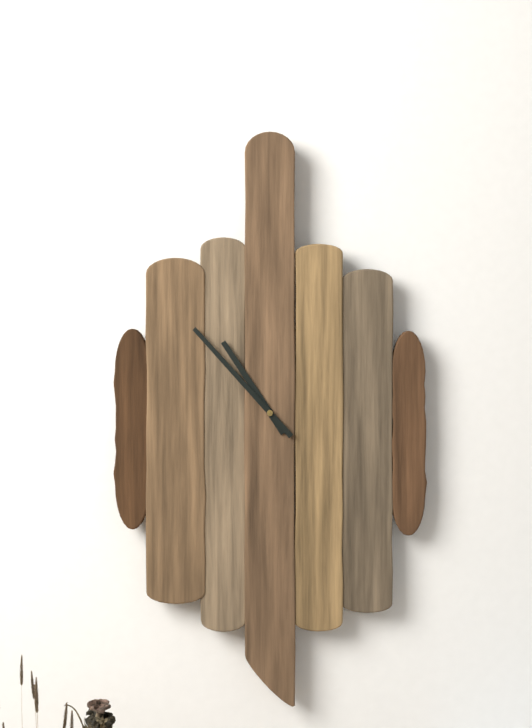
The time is 10h53
